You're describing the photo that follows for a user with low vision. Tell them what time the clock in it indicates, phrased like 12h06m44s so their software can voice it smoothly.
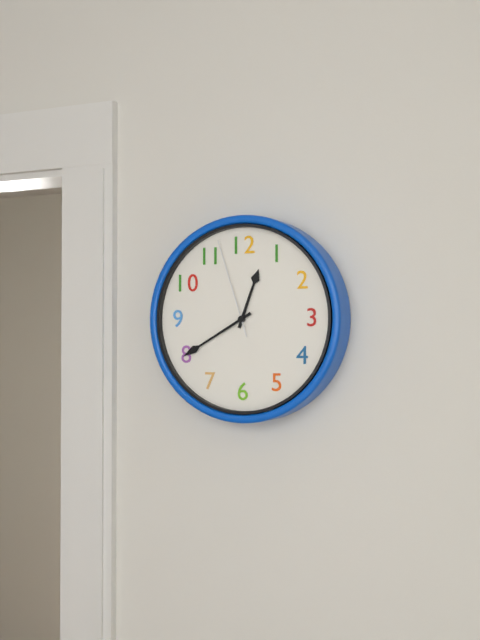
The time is 12h40m57s
